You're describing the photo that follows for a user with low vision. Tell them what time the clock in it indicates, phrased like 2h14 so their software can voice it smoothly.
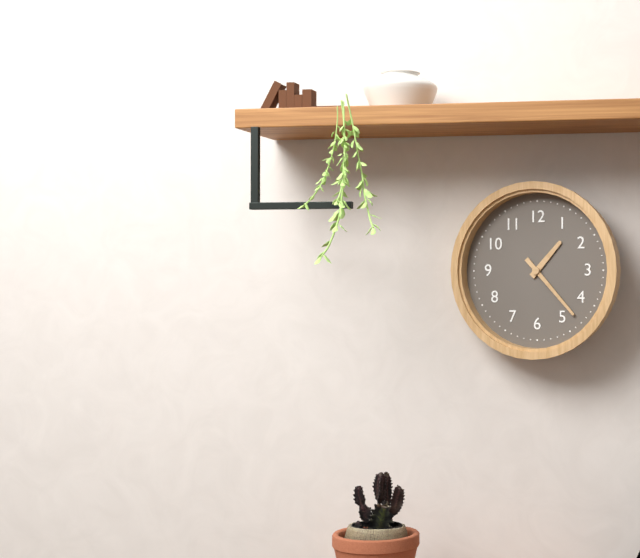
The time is 1h23
